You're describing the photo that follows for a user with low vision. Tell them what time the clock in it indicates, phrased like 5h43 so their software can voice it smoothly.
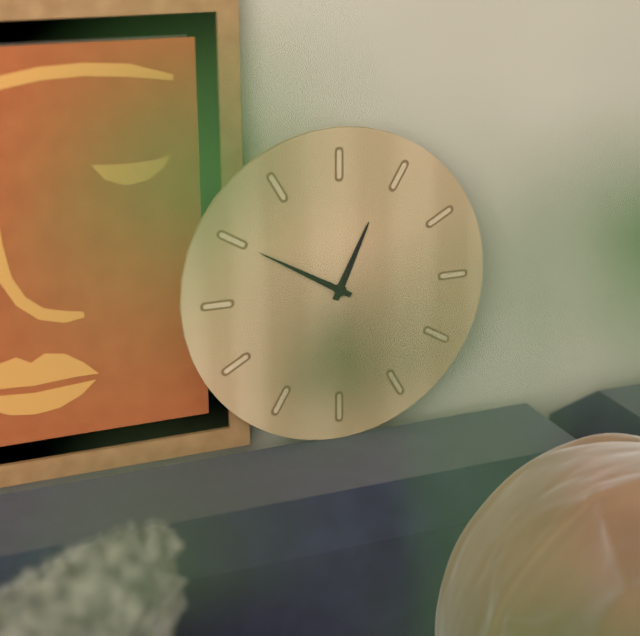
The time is 12h50
